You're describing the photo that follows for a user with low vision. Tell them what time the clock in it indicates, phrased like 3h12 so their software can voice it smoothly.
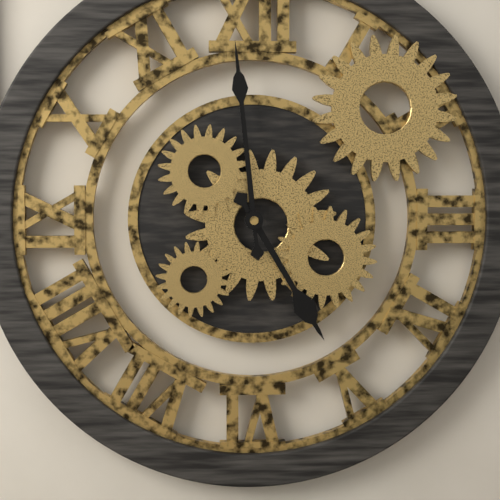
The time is 4h59
